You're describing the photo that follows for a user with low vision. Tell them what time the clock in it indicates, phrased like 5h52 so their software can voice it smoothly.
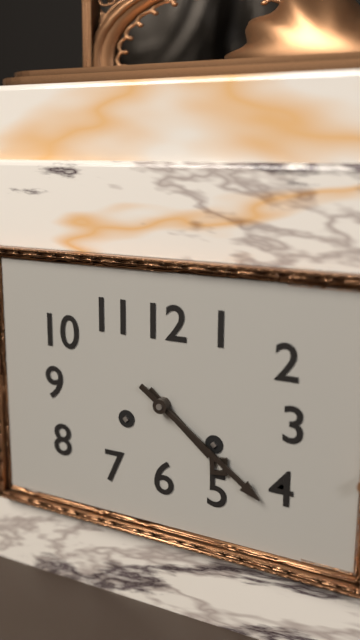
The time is 4h21
